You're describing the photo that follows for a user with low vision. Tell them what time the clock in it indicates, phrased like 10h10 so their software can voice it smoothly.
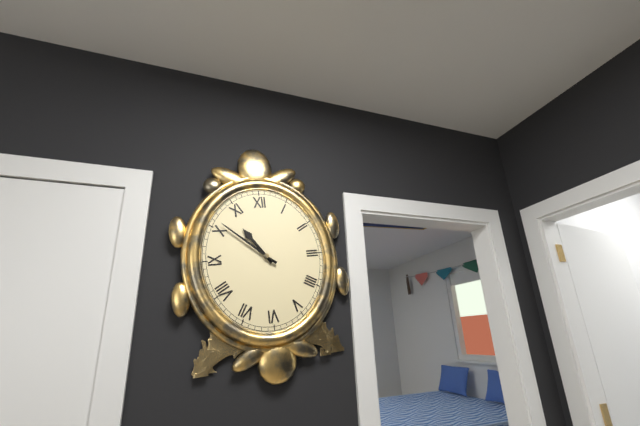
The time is 10h52
